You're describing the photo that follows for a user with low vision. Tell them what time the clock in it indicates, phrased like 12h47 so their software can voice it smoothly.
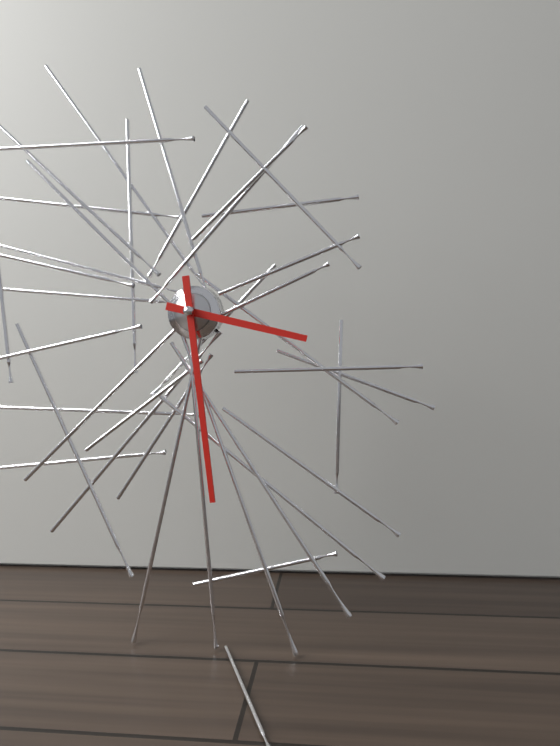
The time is 3h29
